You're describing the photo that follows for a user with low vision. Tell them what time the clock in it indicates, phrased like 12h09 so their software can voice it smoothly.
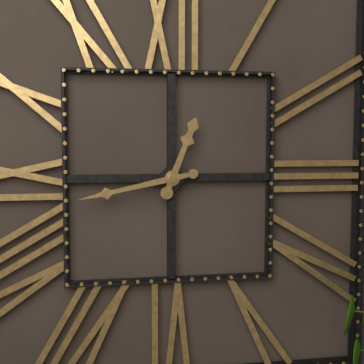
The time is 12h43
